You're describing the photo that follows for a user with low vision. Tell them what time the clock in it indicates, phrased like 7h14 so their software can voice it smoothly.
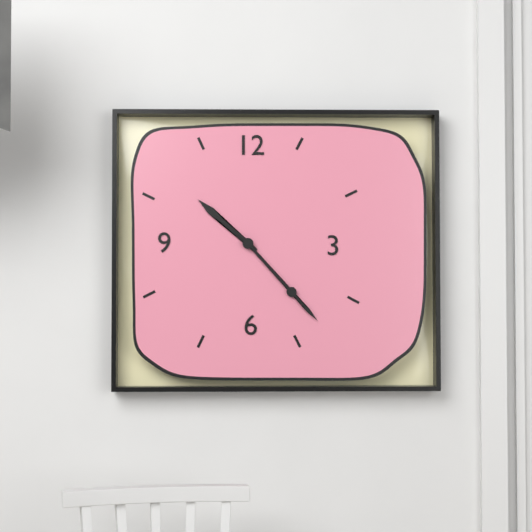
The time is 10h23
